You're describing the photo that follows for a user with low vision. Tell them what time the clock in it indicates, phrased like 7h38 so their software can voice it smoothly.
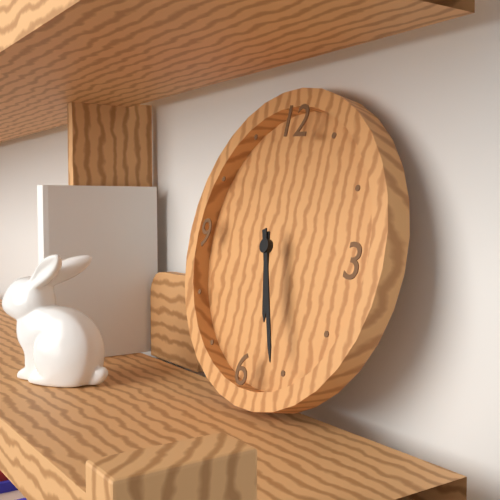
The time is 5h26
